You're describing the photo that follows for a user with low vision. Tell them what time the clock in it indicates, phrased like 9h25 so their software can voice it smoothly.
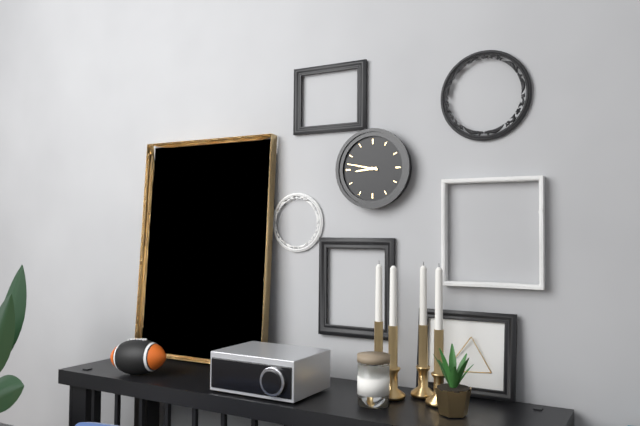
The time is 8h47
